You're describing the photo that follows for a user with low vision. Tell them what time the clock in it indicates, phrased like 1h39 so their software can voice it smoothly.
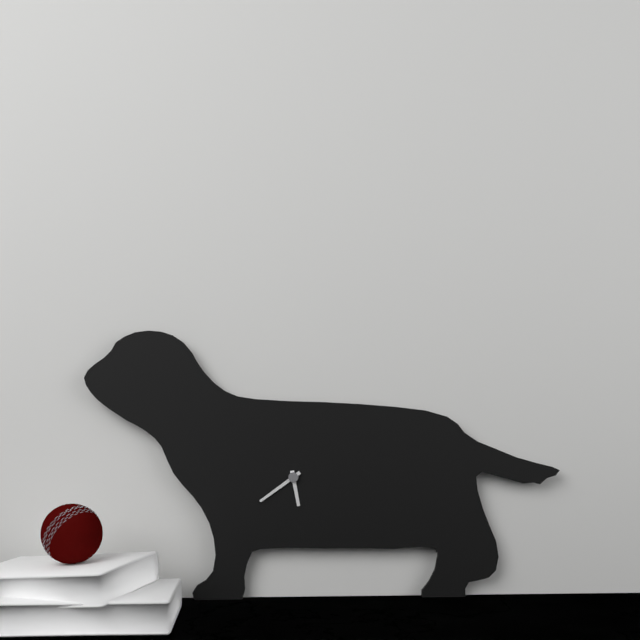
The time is 5h39
